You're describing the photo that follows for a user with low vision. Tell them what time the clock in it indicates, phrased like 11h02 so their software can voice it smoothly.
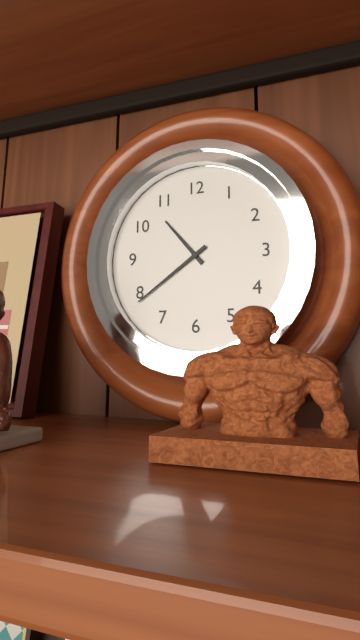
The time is 10h39
